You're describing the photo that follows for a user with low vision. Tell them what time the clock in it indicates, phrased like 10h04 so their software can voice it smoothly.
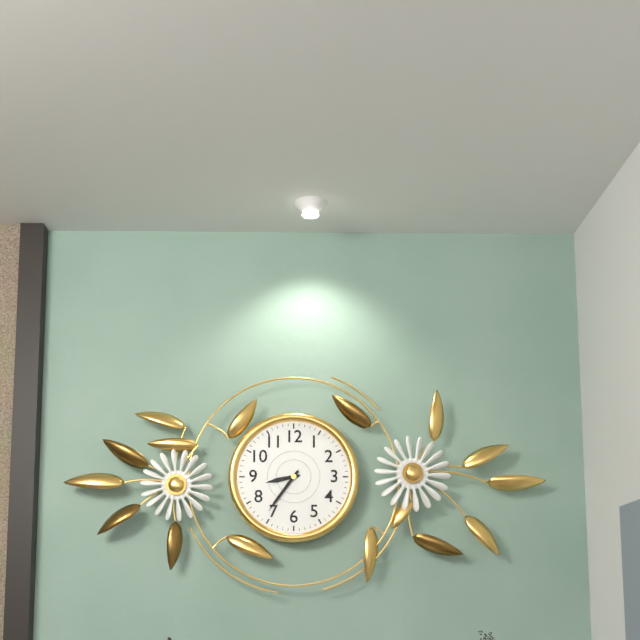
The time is 8h36
